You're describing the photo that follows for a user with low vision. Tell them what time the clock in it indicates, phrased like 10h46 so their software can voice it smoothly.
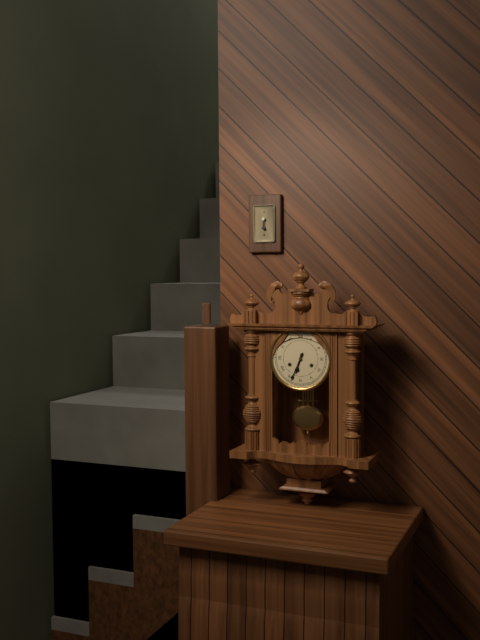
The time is 6h34
